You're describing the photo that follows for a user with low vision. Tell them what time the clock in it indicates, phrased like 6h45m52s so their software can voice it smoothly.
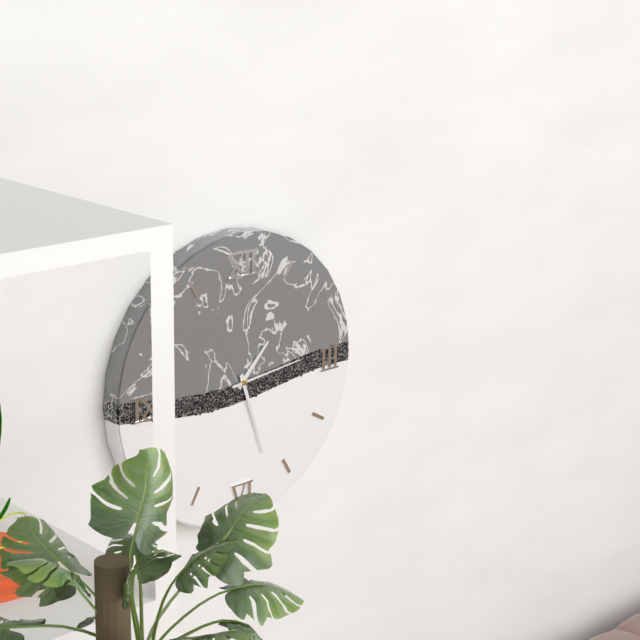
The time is 1h27m14s
